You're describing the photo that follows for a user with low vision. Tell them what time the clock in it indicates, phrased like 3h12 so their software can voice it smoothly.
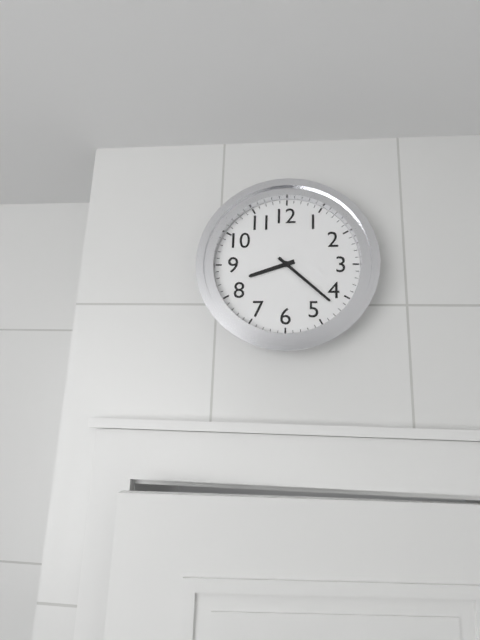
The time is 8h22
